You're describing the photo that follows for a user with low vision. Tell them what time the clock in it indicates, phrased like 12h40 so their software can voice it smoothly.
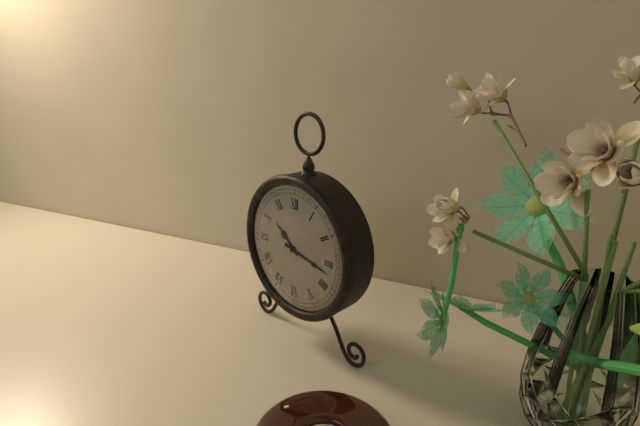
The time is 10h17
